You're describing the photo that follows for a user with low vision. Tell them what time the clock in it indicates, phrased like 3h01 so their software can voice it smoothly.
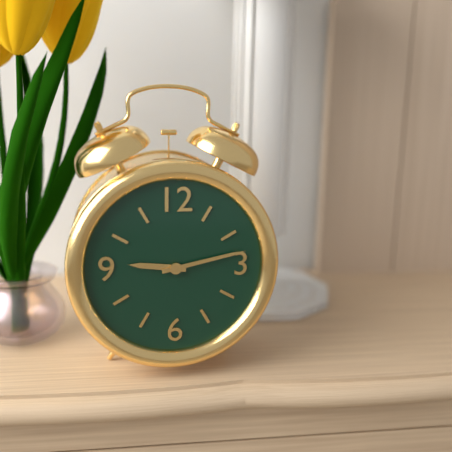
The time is 9h13
